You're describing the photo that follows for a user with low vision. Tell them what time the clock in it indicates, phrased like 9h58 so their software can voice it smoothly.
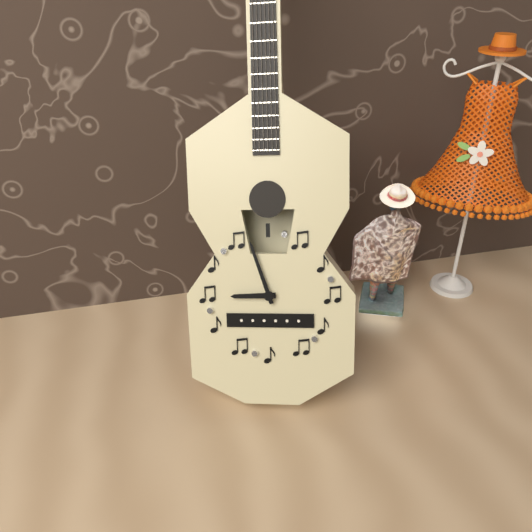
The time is 8h57
